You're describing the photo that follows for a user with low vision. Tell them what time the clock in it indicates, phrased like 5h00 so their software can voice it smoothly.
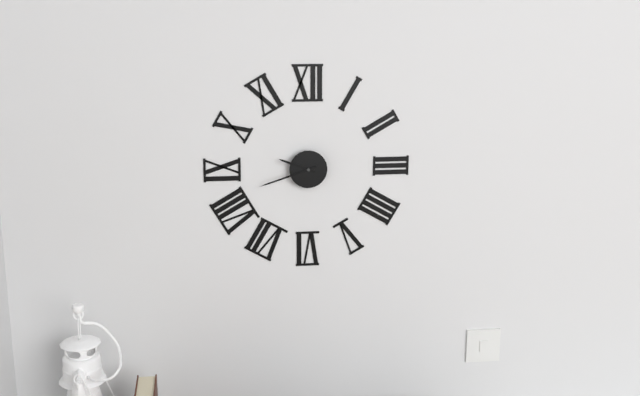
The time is 9h42
